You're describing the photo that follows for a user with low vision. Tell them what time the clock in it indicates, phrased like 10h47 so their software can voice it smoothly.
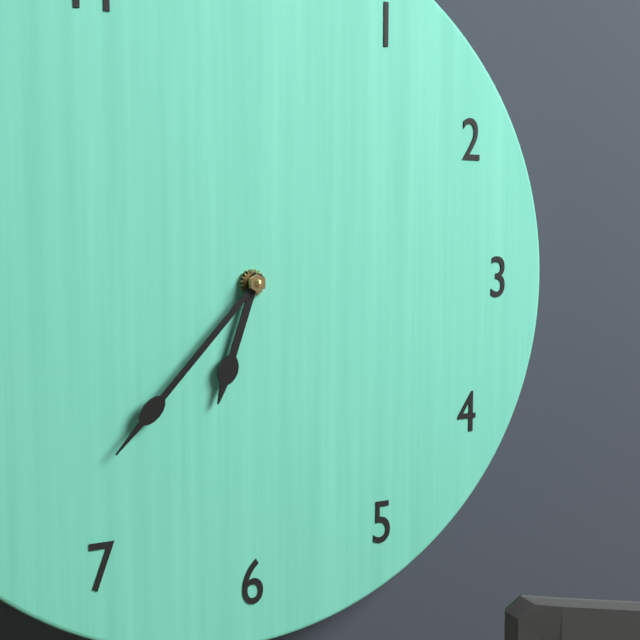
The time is 6h37
